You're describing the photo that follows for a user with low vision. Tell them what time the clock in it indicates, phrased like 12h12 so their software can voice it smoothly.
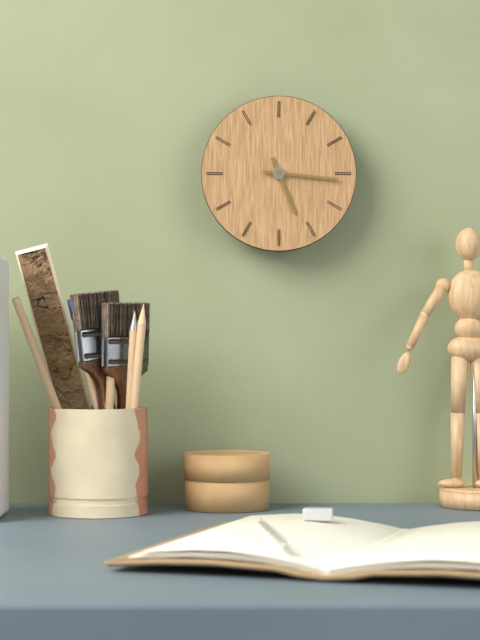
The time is 5h16
